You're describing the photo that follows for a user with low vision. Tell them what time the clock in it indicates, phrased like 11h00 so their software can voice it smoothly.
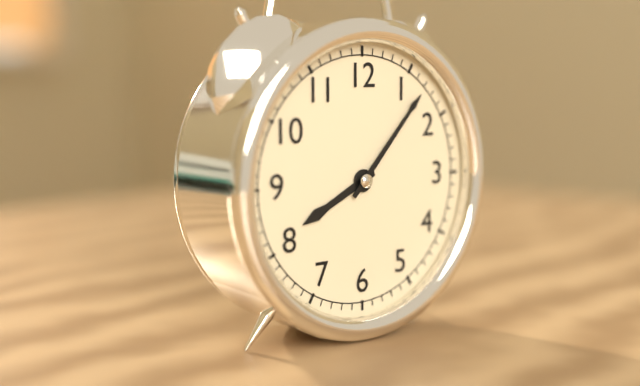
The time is 8h07
